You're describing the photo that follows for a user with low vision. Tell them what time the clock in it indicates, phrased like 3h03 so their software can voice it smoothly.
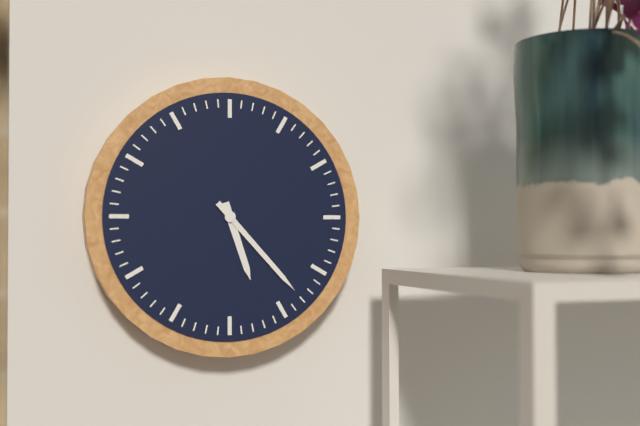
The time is 5h23
